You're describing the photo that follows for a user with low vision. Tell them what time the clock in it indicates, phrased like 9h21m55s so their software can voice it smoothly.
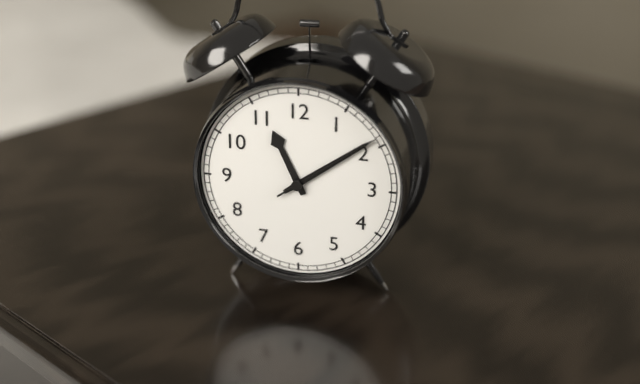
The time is 11h09m09s
